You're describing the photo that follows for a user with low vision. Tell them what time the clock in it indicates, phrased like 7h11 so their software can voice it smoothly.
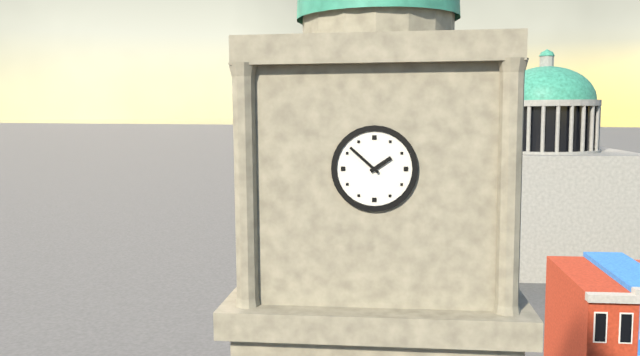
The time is 1h52
